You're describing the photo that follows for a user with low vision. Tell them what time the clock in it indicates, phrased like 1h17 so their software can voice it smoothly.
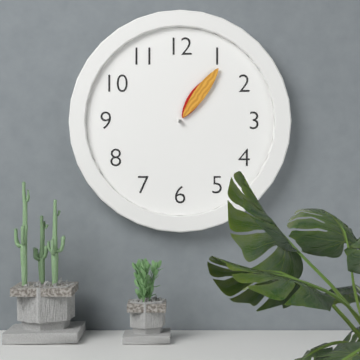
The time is 1h06
